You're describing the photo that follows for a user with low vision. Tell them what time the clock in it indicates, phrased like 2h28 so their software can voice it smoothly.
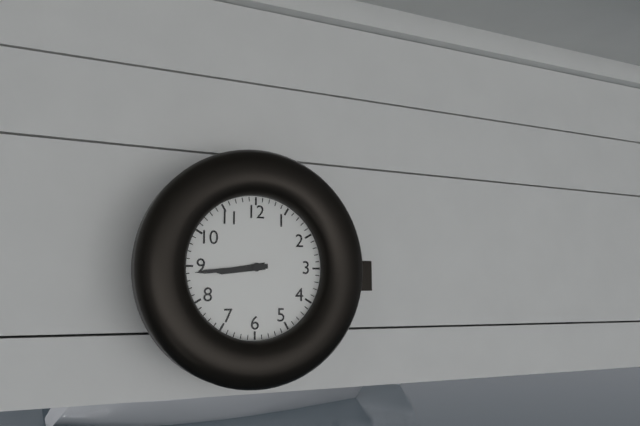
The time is 8h44
